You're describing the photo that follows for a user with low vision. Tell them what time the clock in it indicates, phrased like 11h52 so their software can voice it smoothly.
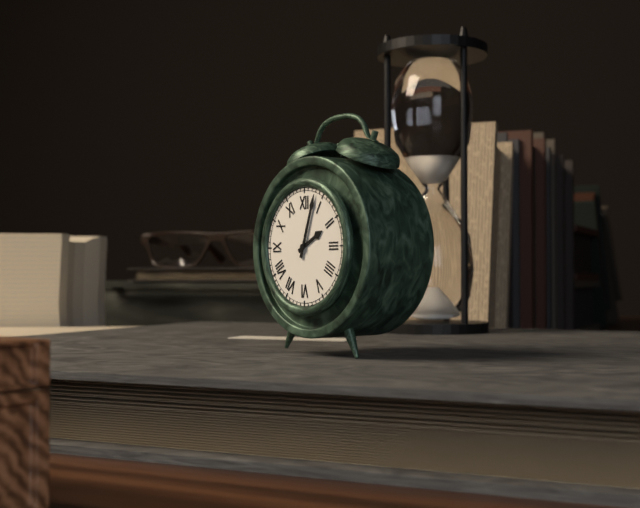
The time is 2h03
